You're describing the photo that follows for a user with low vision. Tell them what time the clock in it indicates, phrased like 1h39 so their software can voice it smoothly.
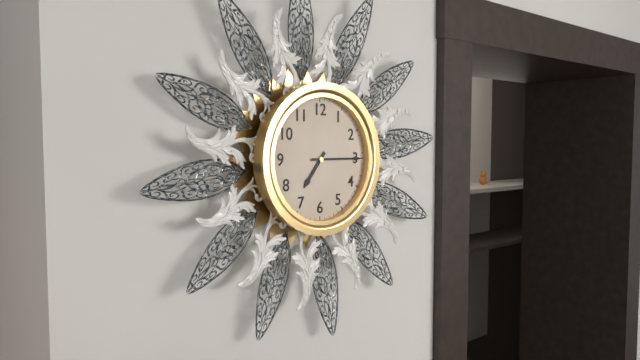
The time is 7h15
